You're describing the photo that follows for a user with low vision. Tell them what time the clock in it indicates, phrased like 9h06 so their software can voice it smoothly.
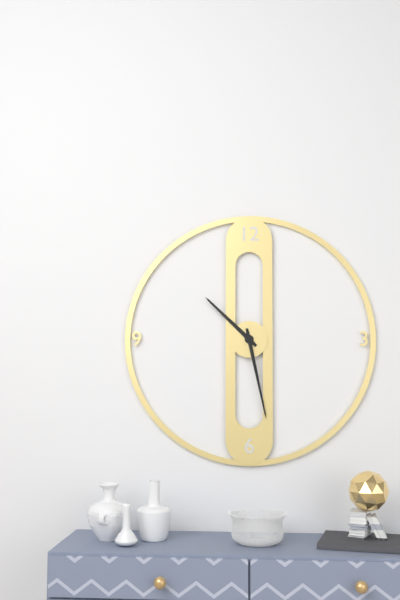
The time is 10h28
